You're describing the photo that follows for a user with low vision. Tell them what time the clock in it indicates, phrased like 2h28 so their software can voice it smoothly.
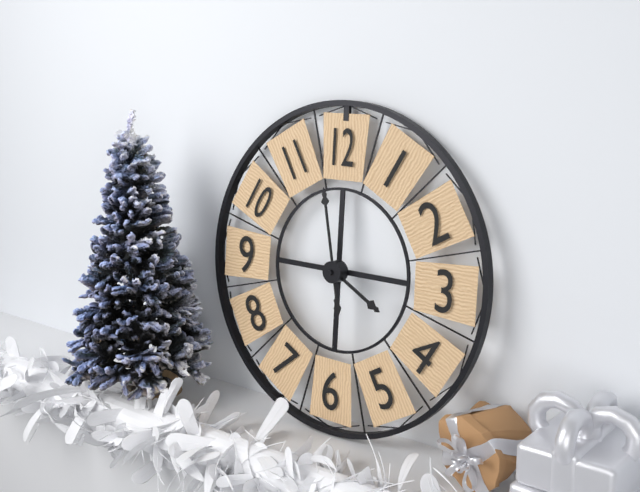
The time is 3h58
